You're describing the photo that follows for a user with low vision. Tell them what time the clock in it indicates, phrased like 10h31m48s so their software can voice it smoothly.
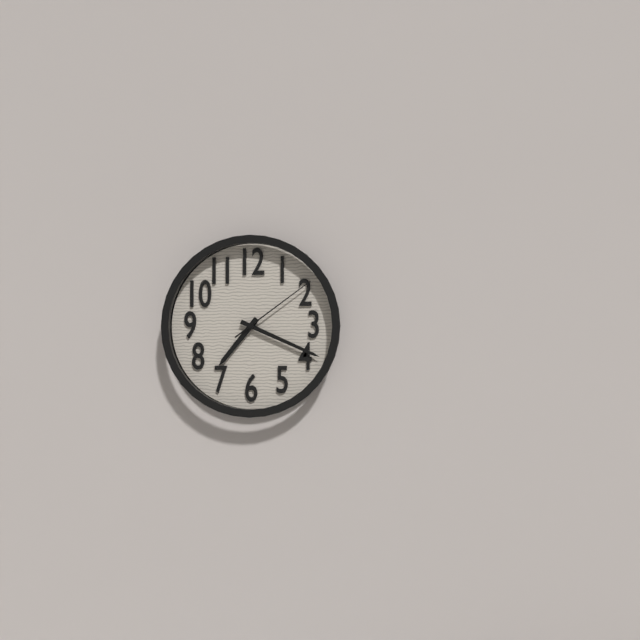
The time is 7h19m09s
